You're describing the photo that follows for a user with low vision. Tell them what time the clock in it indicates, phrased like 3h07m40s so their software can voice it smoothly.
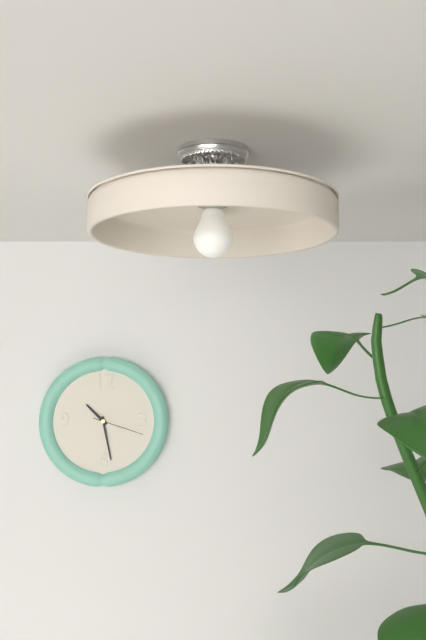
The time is 10h28m18s
